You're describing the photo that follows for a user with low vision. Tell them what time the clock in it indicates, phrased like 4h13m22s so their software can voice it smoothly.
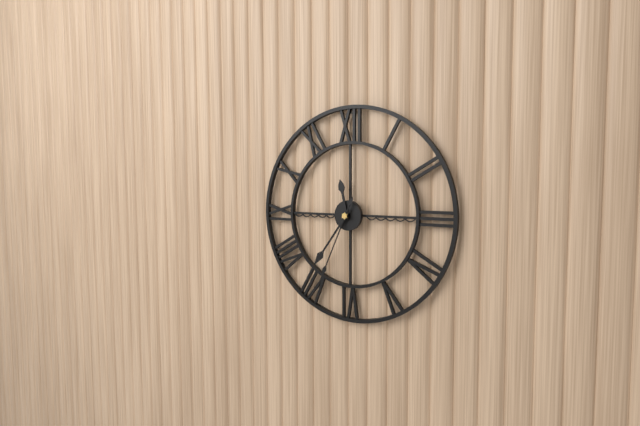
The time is 11h36m34s
